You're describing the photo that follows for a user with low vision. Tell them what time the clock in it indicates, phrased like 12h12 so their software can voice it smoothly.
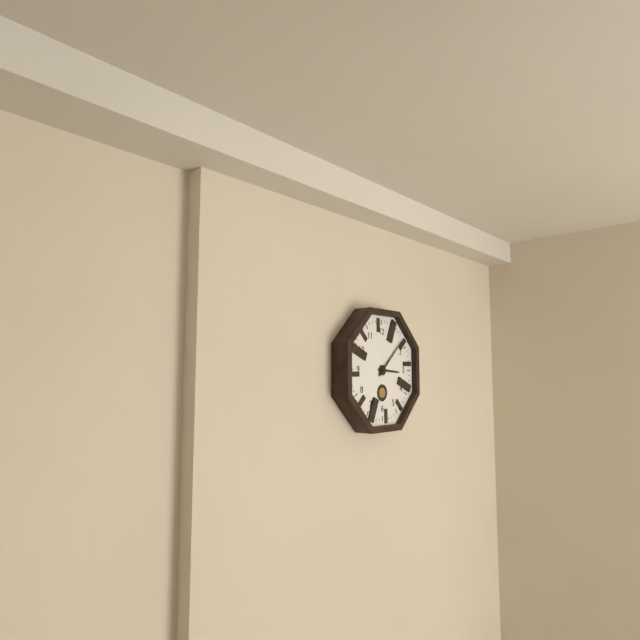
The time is 3h08
